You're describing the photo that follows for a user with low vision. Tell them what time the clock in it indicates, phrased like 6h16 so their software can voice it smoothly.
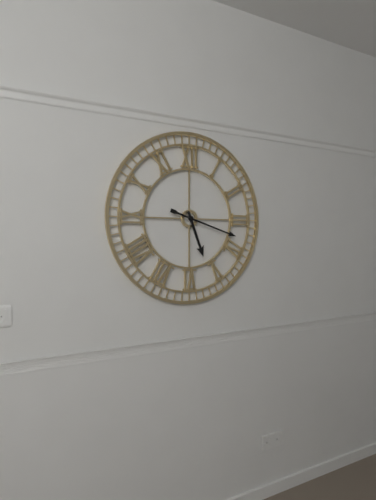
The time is 5h18
